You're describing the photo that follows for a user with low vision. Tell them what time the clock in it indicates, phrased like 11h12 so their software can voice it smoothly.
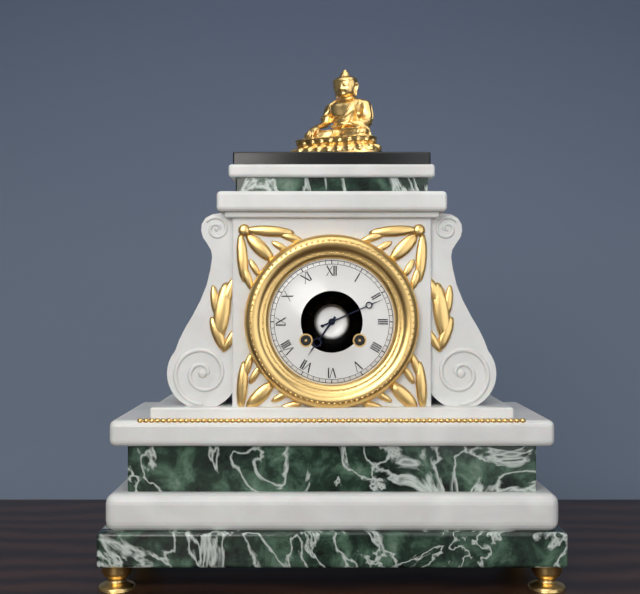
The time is 7h11
